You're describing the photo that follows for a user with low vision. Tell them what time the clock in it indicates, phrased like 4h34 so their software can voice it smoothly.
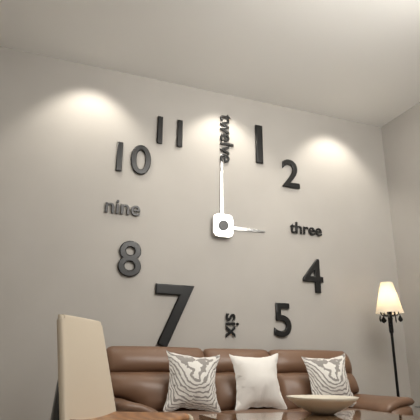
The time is 3h00
